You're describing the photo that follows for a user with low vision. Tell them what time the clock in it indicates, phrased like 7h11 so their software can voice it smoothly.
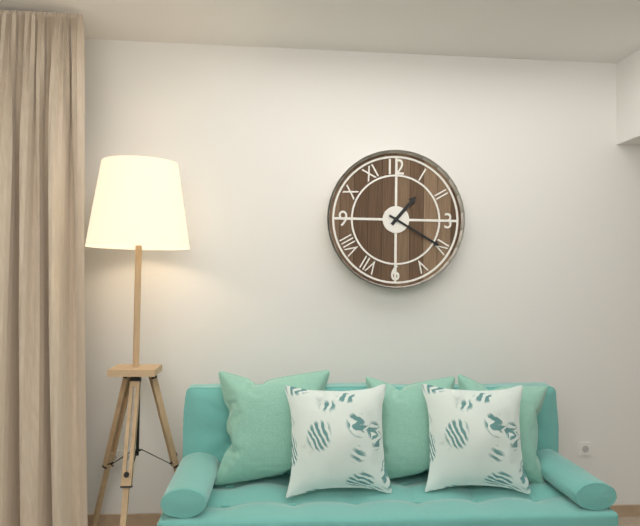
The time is 1h20
